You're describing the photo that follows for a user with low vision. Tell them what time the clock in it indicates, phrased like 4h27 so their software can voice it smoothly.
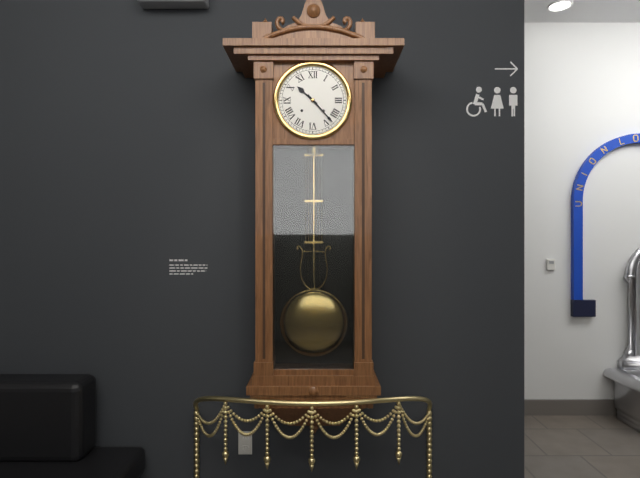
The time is 10h23
